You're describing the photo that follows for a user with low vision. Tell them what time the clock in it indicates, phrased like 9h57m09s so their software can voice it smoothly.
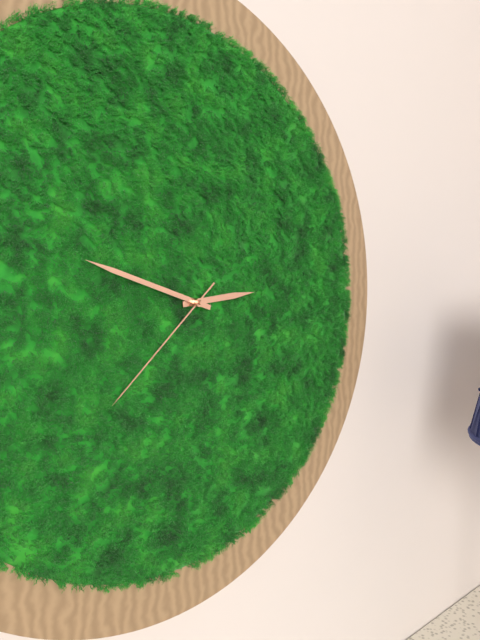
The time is 2h48m38s
